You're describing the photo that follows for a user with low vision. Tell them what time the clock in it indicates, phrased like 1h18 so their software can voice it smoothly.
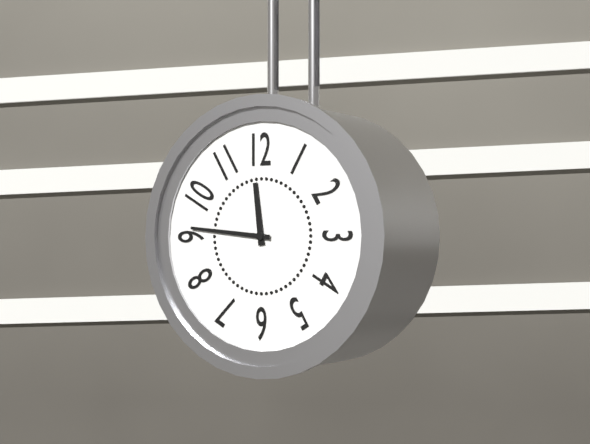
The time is 11h46
